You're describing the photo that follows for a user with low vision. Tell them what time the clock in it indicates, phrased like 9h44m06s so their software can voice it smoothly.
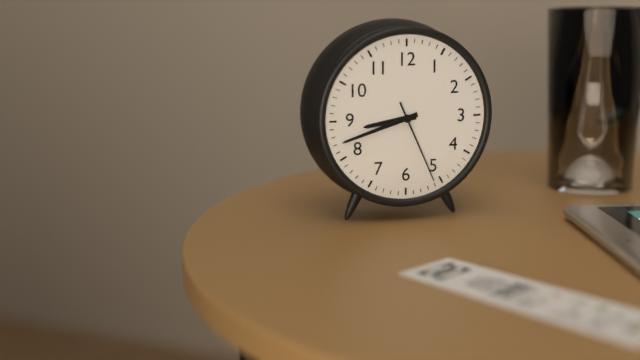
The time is 8h42m26s
